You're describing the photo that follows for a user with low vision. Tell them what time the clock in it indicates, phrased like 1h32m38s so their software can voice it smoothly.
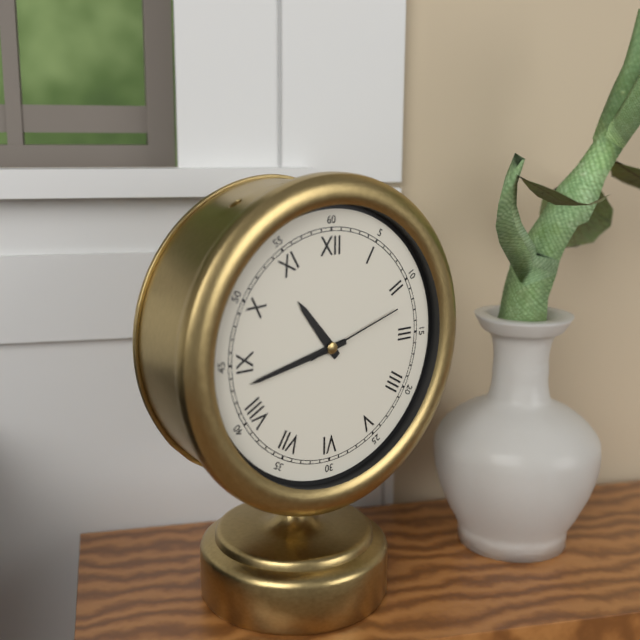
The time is 10h43m12s
